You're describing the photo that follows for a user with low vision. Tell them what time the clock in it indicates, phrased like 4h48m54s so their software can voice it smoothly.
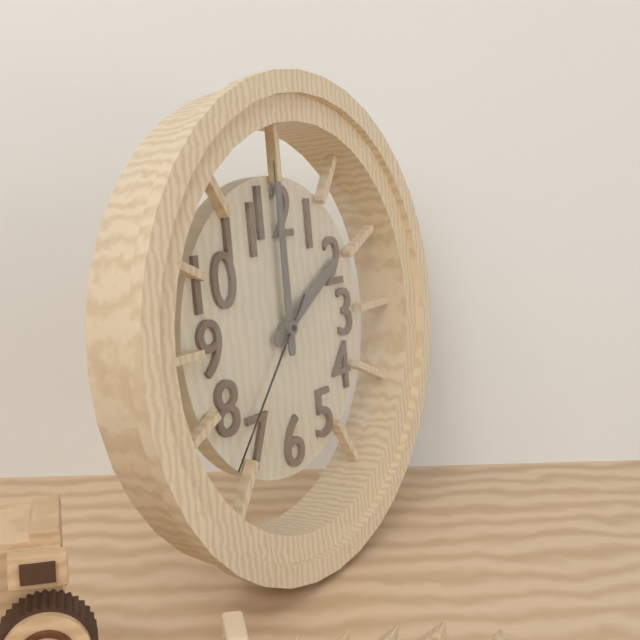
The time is 2h00m37s
